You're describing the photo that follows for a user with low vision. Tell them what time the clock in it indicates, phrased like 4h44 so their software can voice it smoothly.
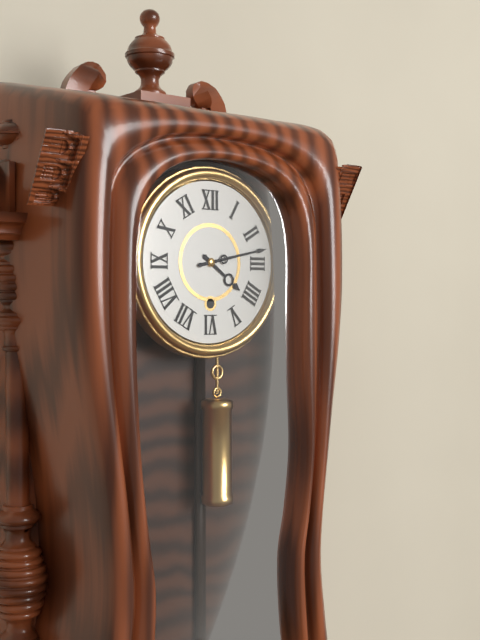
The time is 4h13
